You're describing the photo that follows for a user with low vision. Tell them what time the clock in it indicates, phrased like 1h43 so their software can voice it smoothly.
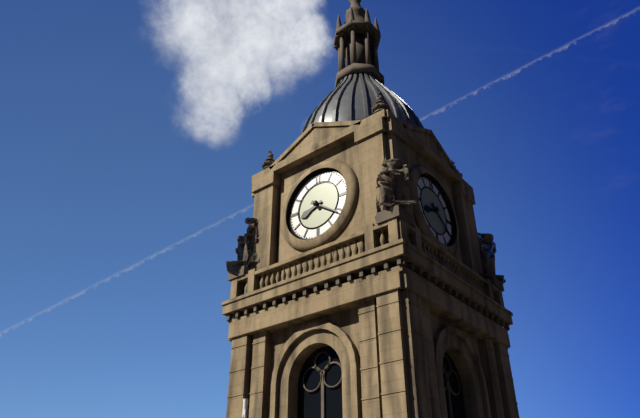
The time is 8h21
